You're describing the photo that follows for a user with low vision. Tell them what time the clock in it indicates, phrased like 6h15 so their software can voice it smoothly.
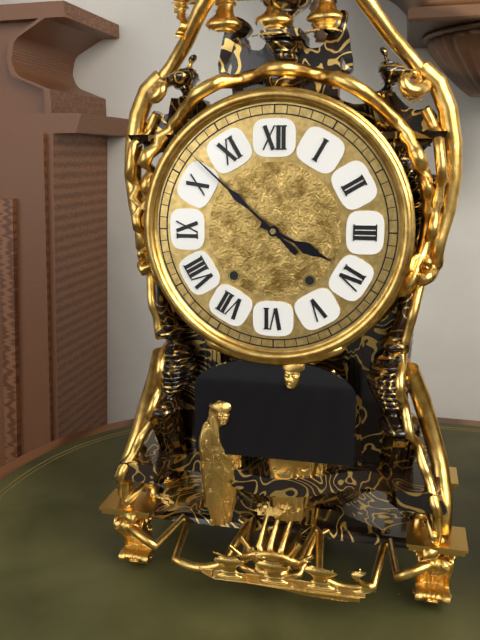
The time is 3h52
